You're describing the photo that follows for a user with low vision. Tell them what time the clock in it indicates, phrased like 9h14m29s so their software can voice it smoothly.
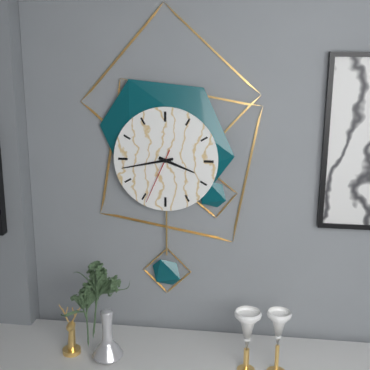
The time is 3h43m34s
